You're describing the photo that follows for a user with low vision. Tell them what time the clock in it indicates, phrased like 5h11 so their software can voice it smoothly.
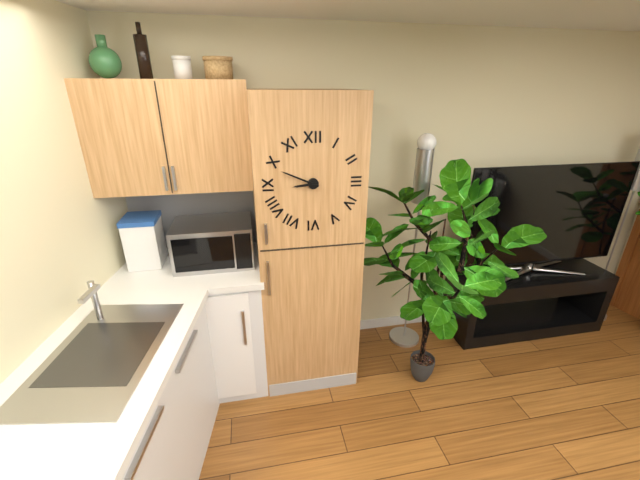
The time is 8h49
